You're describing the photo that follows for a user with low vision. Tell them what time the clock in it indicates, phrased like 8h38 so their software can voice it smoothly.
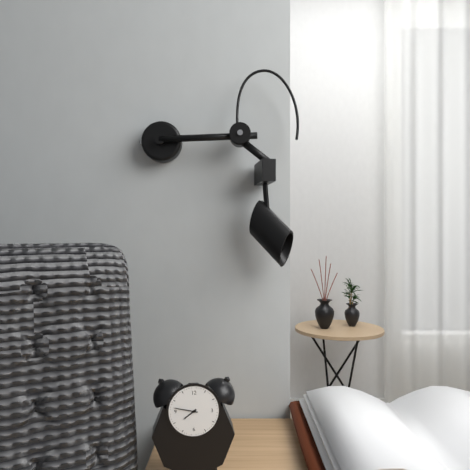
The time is 7h47
